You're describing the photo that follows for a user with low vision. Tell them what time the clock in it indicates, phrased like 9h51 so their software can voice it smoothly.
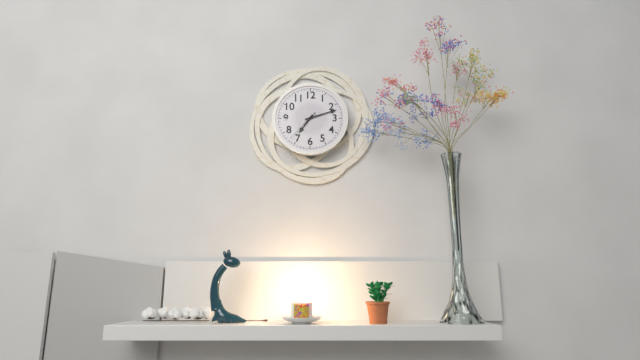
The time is 7h12
